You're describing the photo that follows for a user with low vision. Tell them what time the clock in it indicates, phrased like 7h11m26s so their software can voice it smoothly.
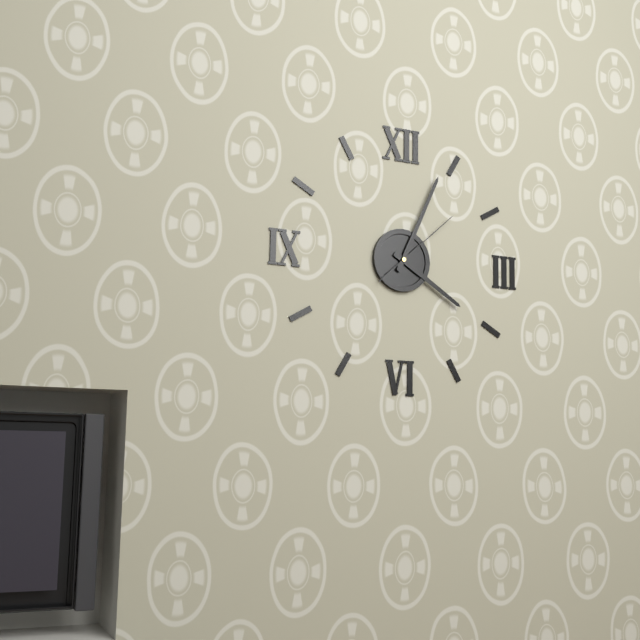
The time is 4h04m08s
